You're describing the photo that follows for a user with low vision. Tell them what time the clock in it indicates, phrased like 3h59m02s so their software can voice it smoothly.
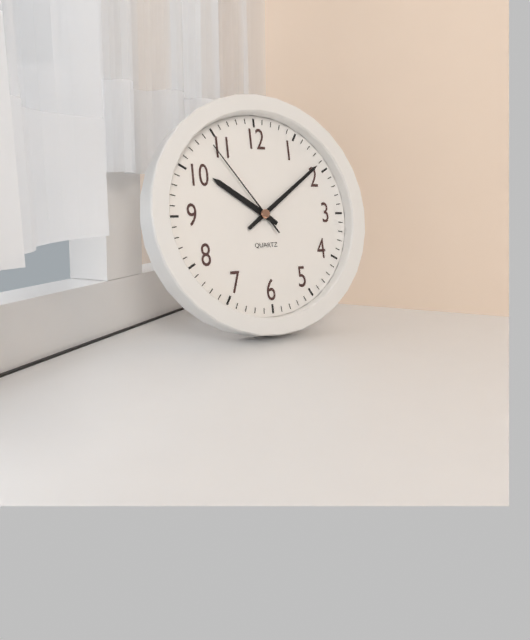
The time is 10h09m54s
